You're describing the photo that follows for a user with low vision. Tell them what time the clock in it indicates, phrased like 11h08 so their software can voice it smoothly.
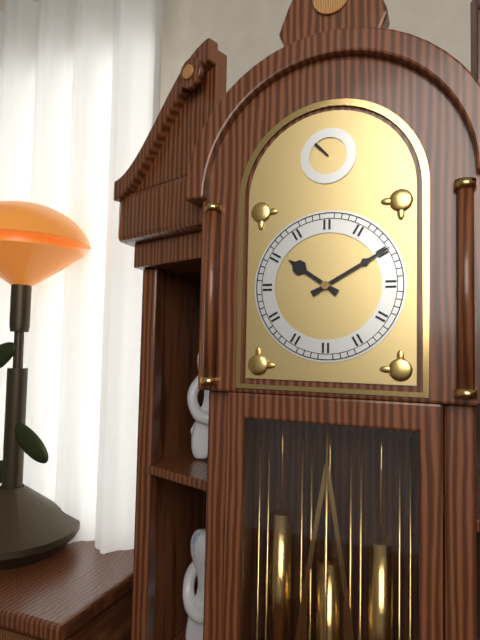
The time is 10h10
